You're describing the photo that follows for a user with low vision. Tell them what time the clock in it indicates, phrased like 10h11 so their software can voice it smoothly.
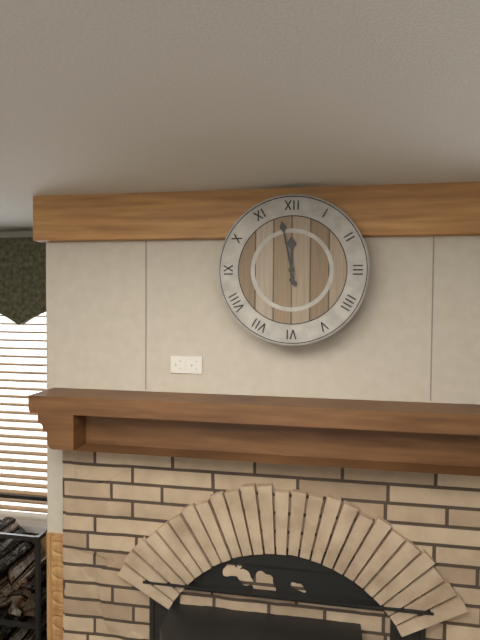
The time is 11h58
